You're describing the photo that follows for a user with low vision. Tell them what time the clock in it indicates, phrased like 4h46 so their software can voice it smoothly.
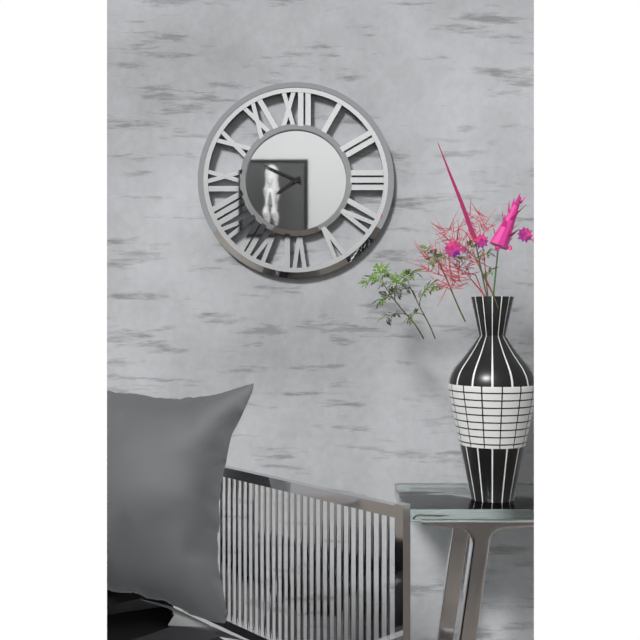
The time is 7h49
